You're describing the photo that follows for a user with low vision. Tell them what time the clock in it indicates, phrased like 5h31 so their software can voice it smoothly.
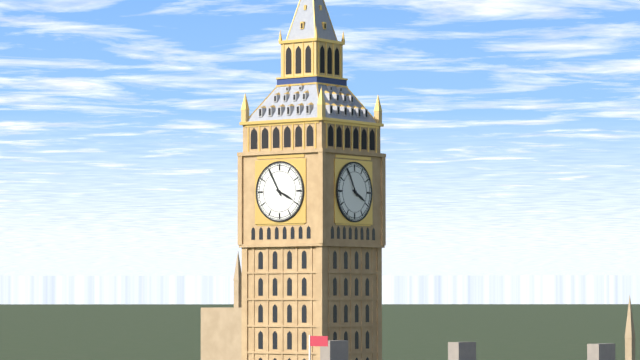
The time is 3h55
